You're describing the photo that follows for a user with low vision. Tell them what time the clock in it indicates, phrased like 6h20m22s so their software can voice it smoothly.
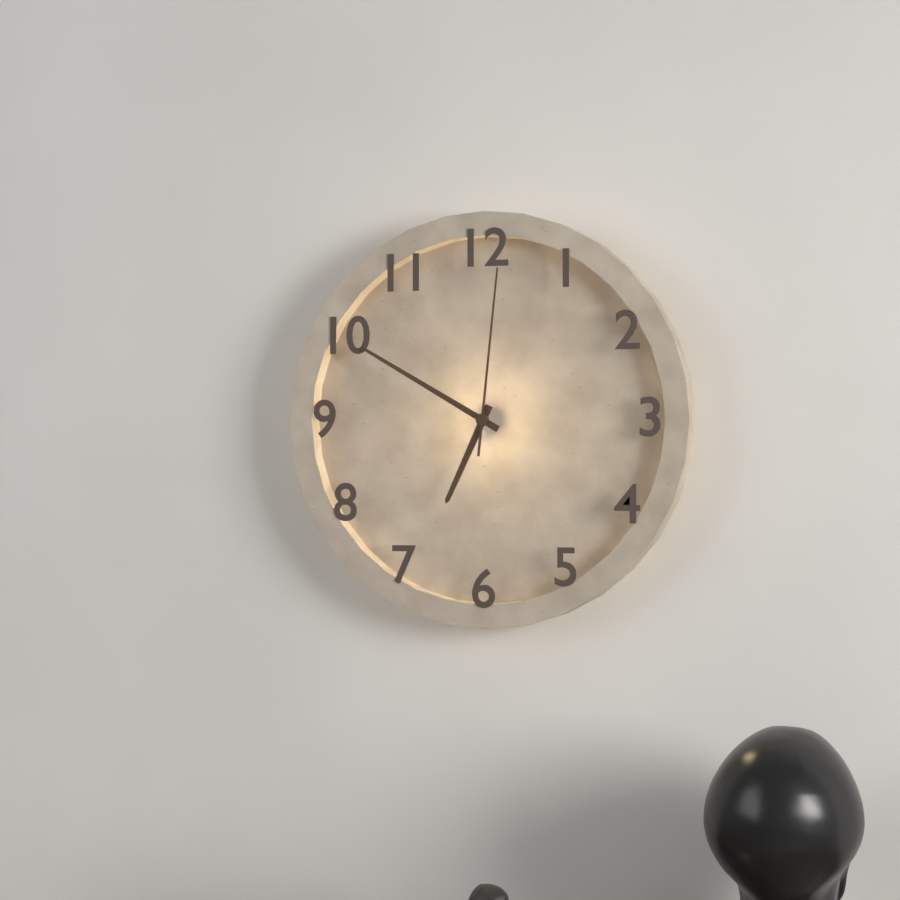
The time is 6h50m01s
